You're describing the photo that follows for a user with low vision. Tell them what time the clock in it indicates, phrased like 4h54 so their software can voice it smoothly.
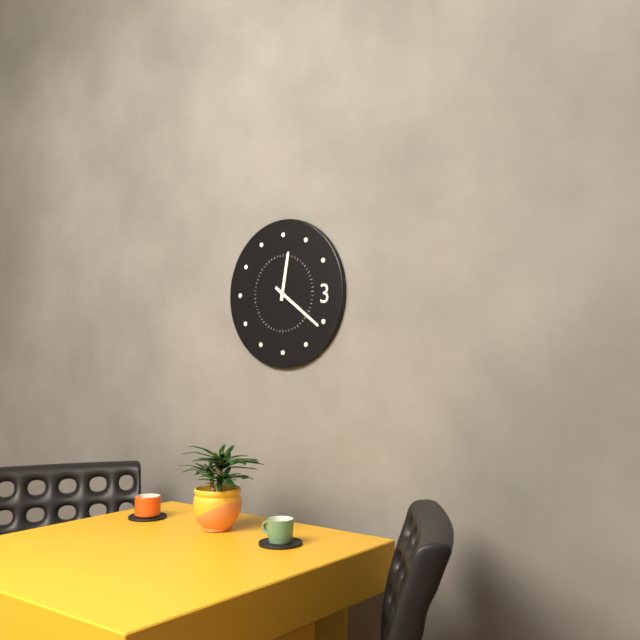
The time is 12h21
